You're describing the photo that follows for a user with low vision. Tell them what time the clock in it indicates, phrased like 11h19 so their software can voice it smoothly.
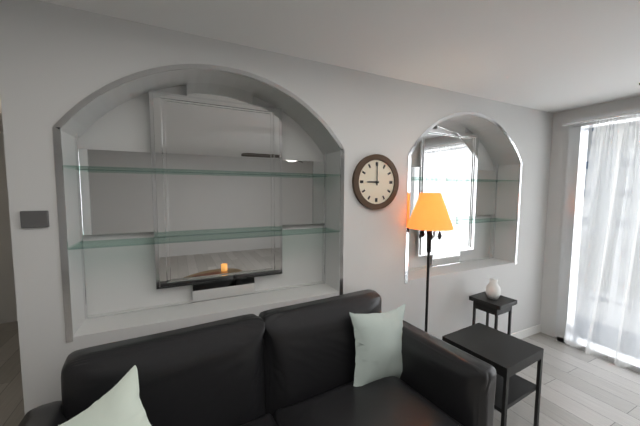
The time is 9h00
